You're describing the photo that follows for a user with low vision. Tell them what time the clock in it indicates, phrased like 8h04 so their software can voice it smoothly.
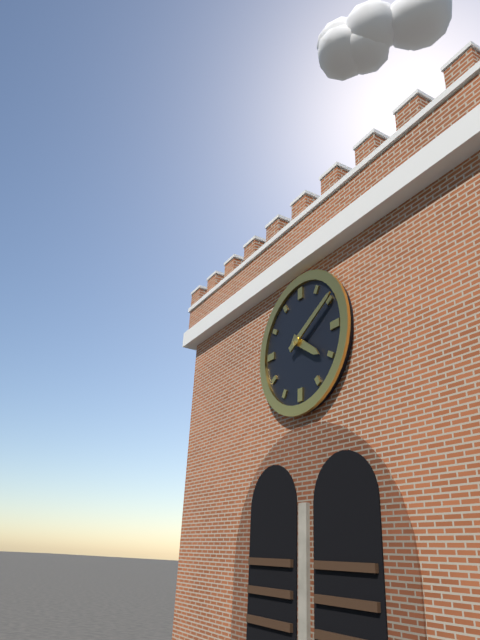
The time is 4h10
